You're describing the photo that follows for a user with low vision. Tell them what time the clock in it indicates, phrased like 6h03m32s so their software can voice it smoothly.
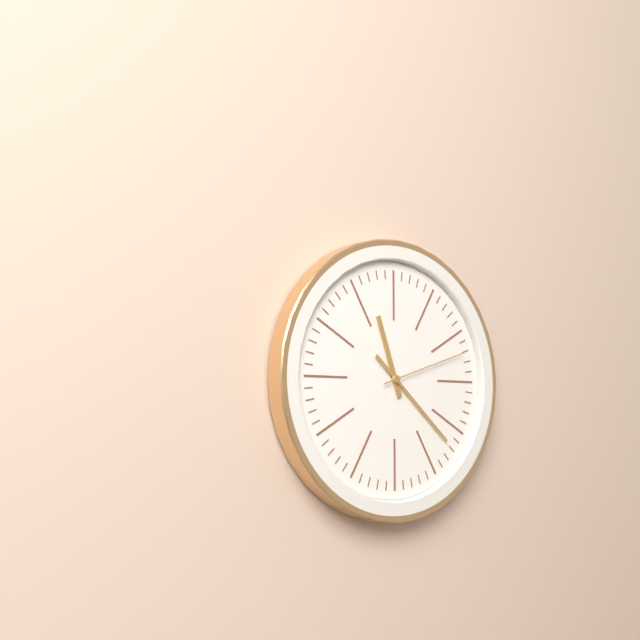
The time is 11h22m12s
